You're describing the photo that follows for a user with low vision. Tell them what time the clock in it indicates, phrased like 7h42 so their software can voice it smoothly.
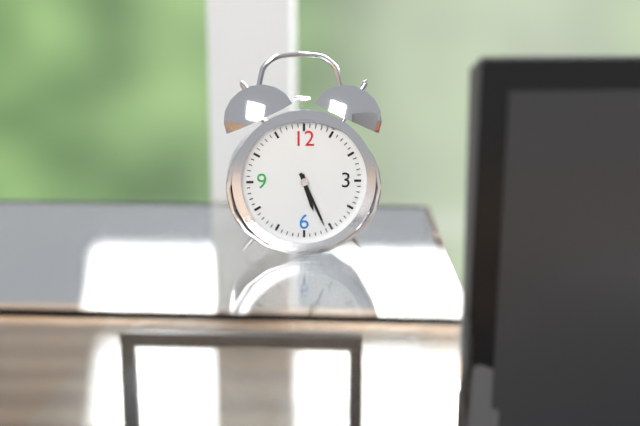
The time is 5h26
